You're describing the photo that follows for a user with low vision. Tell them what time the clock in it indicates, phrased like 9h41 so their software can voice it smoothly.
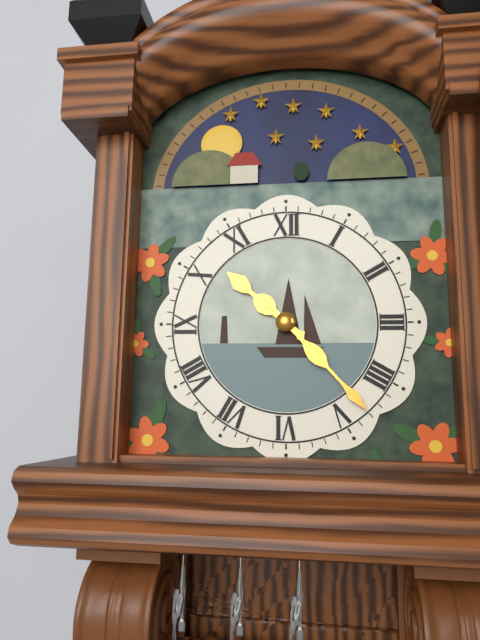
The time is 10h23
